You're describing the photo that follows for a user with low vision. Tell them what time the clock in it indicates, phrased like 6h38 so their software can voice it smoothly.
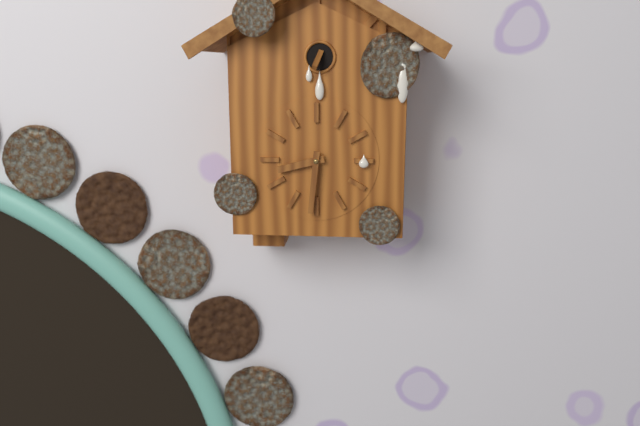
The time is 8h31
